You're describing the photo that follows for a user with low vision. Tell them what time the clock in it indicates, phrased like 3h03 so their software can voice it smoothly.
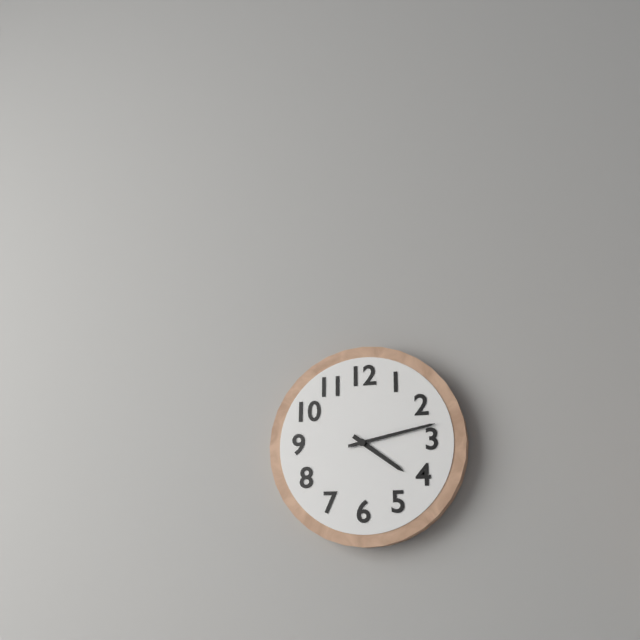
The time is 4h13
